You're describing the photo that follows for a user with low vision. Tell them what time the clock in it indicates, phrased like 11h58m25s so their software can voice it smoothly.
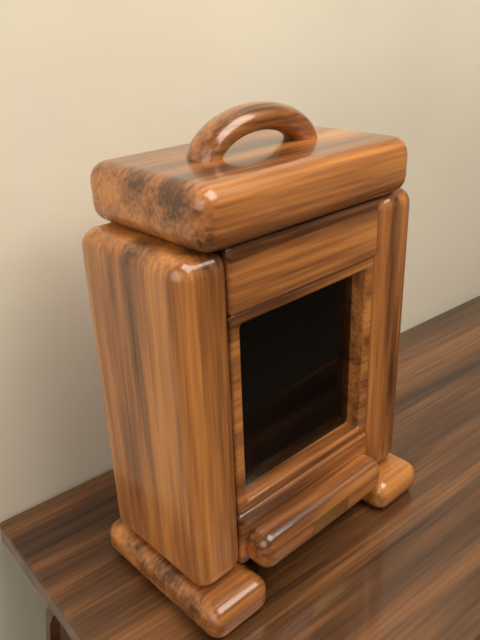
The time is 7h06m25s
